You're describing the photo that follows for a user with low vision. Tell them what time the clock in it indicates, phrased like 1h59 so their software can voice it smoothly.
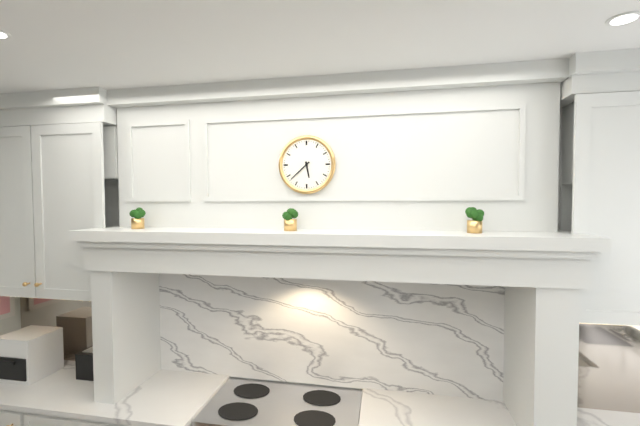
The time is 5h38
